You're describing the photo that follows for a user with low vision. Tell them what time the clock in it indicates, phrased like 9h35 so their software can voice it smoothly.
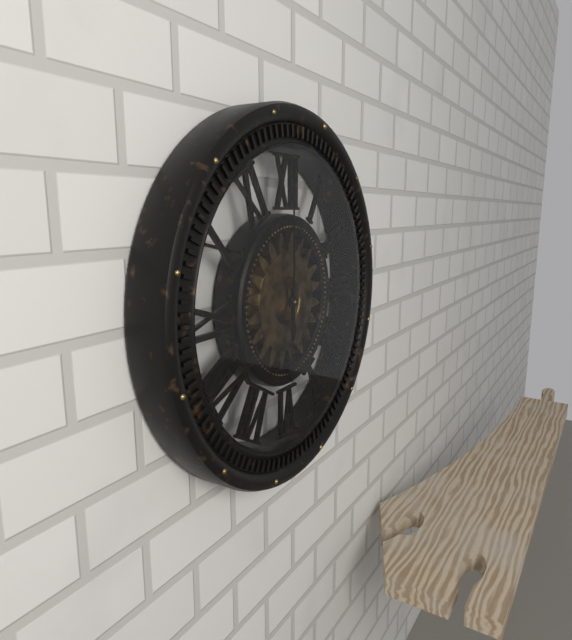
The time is 6h00
